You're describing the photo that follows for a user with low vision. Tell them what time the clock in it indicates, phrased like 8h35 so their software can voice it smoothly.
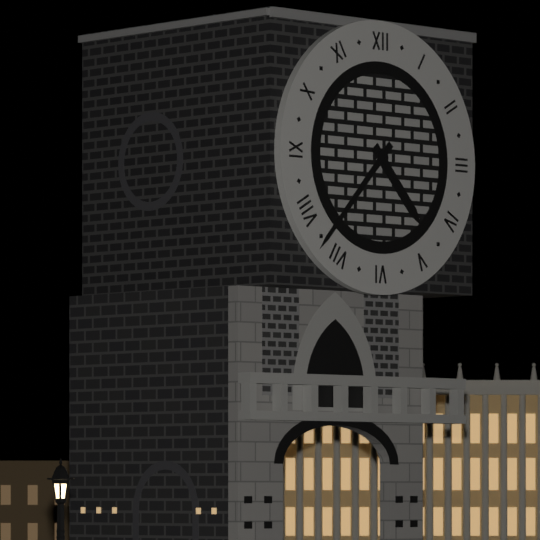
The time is 4h37
